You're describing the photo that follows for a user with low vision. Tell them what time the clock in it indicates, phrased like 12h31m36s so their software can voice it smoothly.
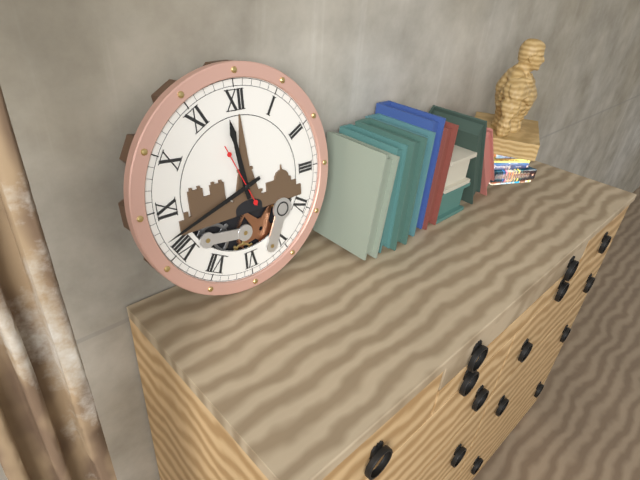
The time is 11h42m56s
